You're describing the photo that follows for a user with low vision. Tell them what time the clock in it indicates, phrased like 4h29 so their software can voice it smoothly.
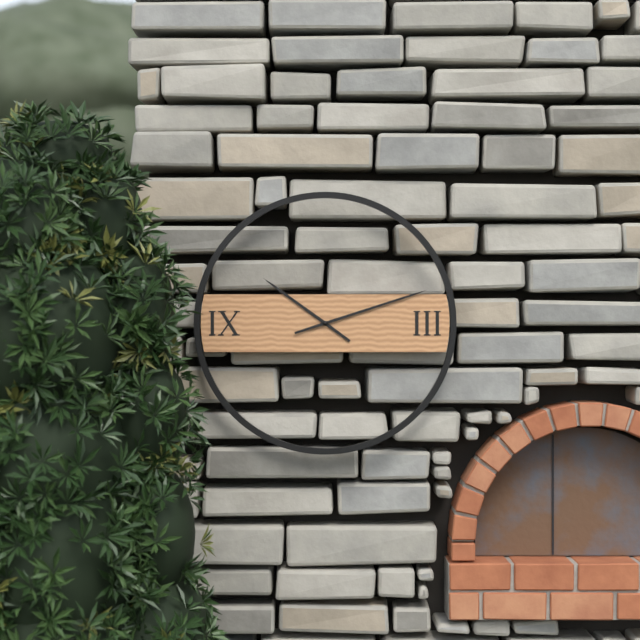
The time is 10h12
